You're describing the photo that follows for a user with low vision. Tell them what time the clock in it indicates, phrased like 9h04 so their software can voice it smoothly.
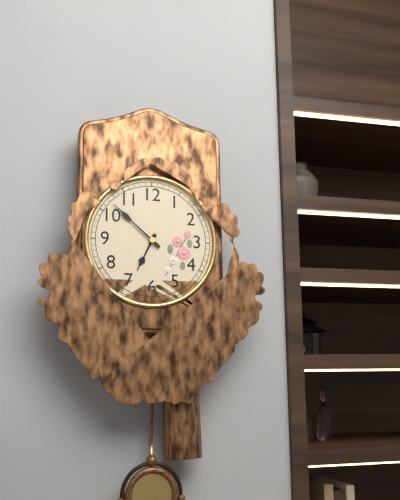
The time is 6h52
